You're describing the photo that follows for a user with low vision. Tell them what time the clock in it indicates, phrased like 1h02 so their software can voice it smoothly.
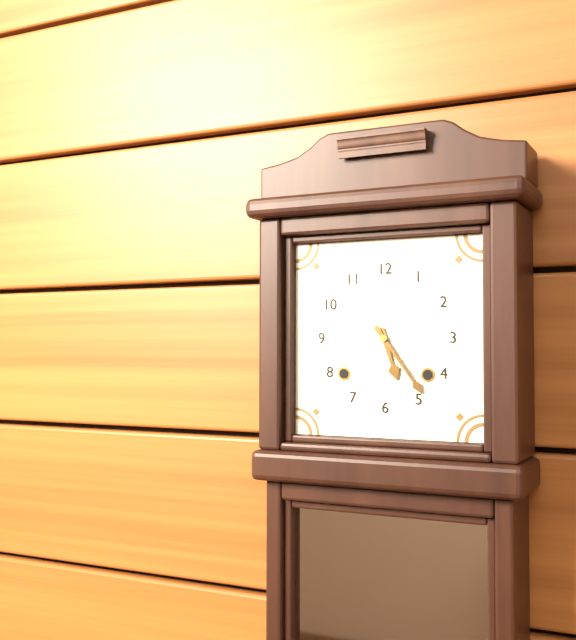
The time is 5h24
